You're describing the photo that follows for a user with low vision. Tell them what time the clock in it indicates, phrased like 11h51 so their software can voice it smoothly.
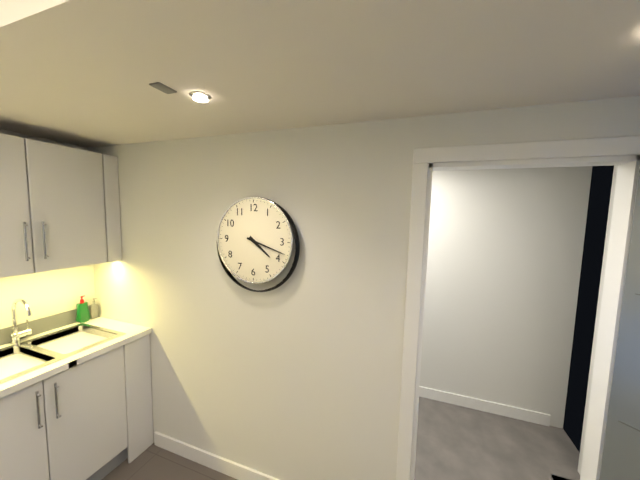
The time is 4h18
